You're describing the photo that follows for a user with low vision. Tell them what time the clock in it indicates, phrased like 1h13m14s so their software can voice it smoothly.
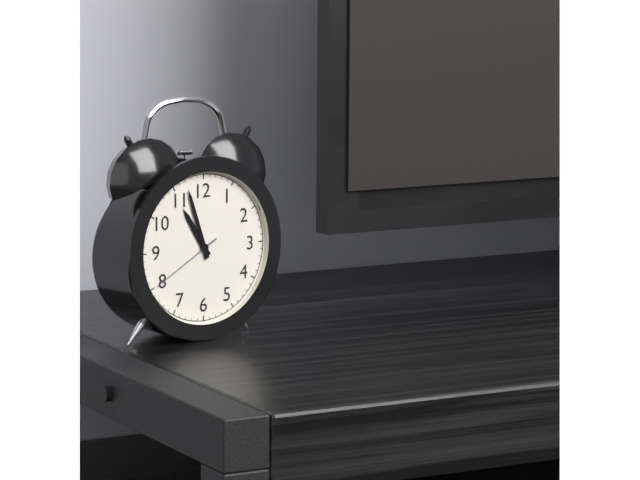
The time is 10h57m40s
